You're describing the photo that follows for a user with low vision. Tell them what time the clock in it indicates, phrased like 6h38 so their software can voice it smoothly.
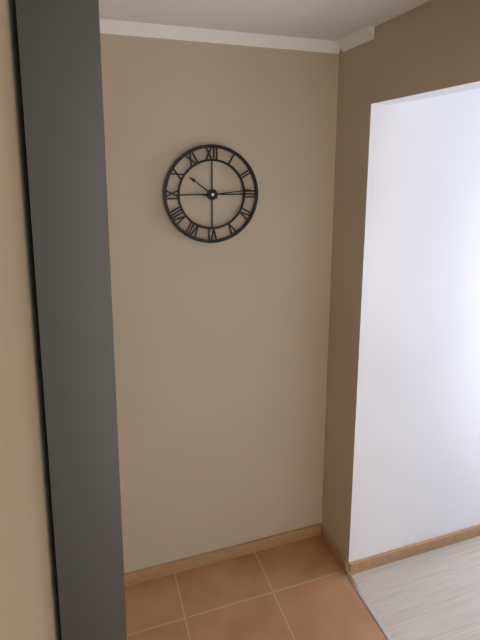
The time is 10h14
